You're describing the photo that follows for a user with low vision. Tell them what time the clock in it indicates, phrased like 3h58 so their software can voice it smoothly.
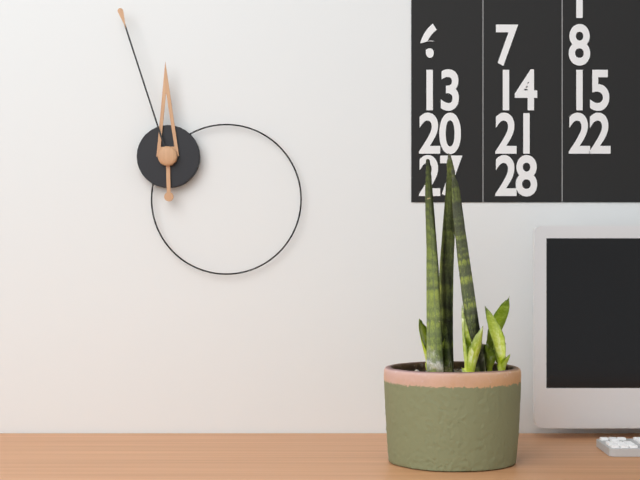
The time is 11h57
